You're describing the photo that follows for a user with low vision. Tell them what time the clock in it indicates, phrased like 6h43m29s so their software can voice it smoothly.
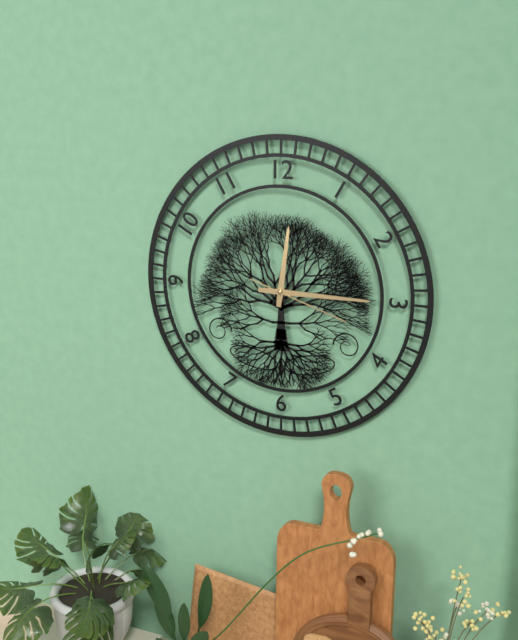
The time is 12h15m18s
